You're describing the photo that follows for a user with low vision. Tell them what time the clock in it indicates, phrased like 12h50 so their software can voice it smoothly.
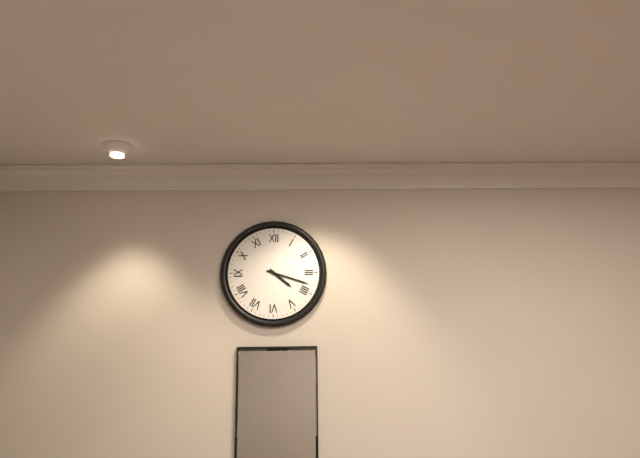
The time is 4h18
